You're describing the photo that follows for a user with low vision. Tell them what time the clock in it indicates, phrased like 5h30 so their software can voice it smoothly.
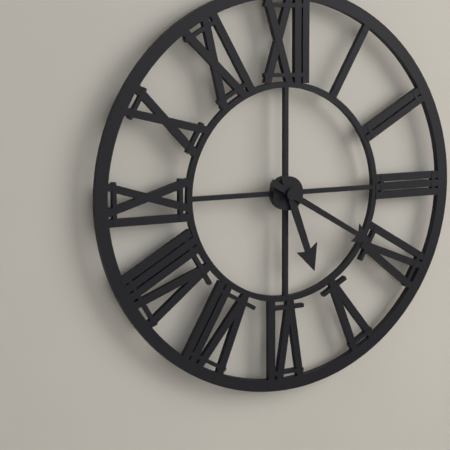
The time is 5h20
